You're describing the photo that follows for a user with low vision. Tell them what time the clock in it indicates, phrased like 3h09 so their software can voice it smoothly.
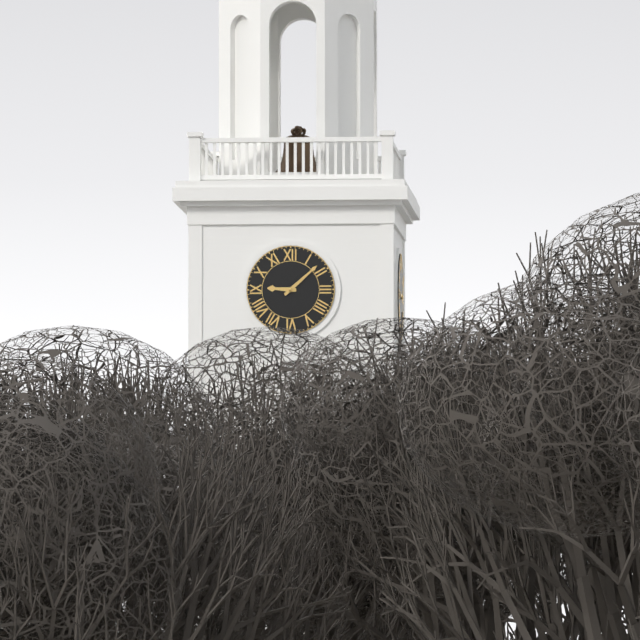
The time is 9h08
